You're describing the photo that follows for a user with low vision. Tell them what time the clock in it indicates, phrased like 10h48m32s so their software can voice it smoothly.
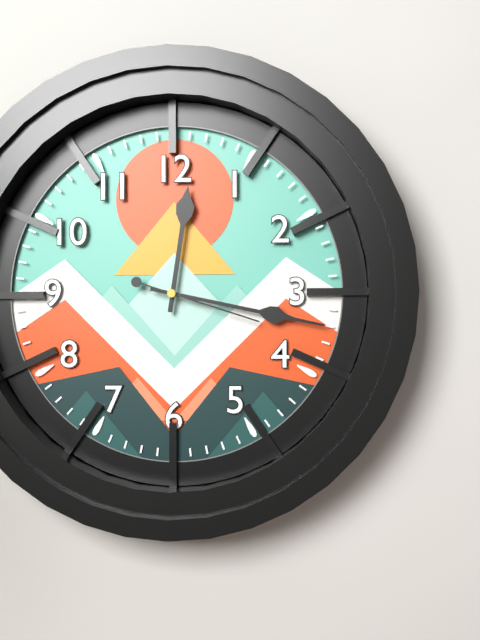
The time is 12h17m18s
